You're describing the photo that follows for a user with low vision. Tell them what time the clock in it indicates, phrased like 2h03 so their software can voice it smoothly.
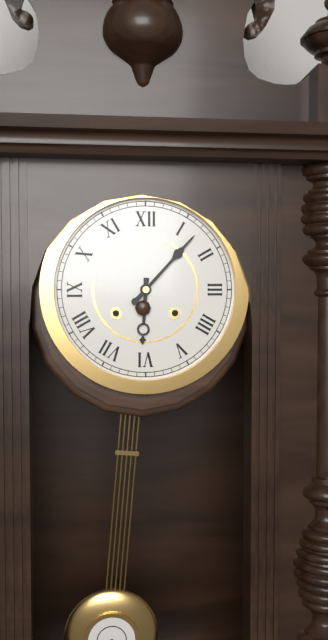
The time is 6h07
